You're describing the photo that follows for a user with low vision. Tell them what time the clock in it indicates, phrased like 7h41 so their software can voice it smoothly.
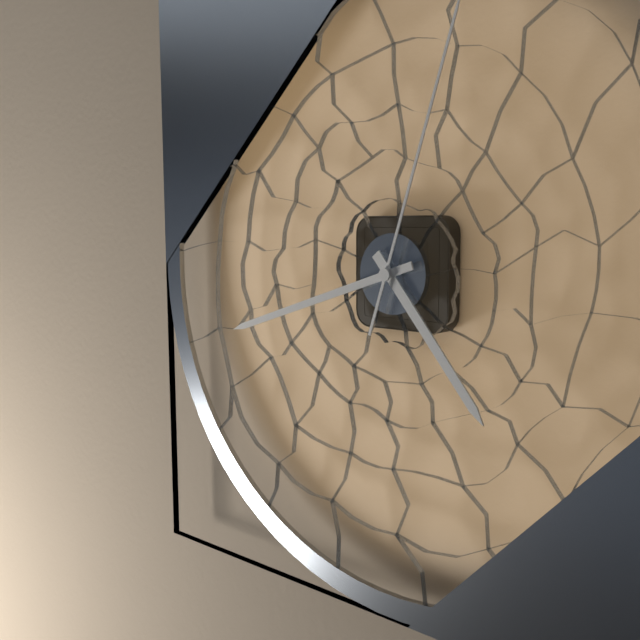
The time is 4h42
